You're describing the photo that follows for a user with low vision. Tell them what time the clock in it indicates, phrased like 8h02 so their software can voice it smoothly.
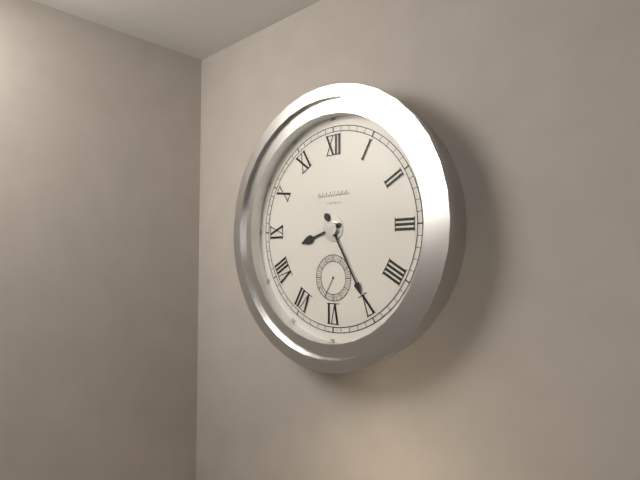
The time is 8h25
